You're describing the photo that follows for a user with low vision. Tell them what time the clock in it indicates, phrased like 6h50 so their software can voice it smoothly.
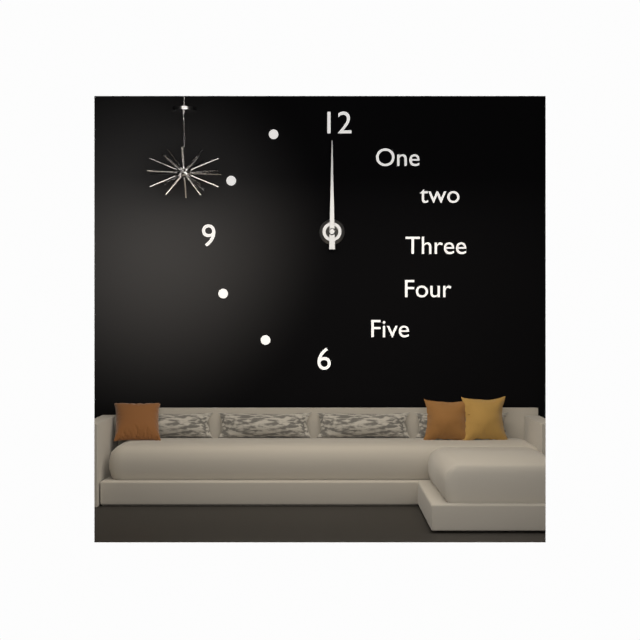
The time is 12h00
